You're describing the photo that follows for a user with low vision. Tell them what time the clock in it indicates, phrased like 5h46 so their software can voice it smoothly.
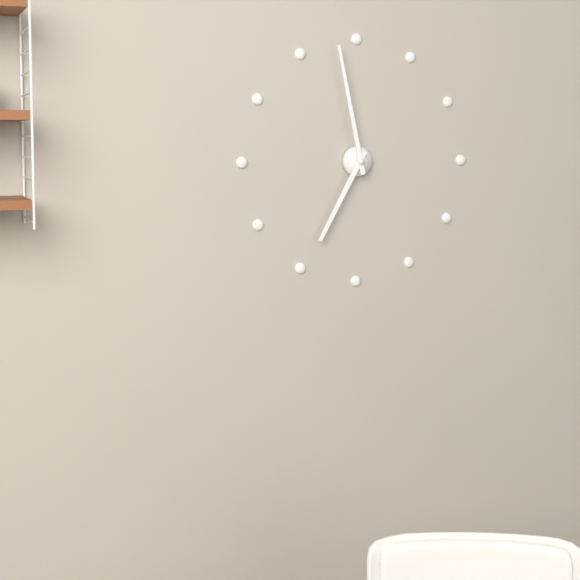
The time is 6h58
